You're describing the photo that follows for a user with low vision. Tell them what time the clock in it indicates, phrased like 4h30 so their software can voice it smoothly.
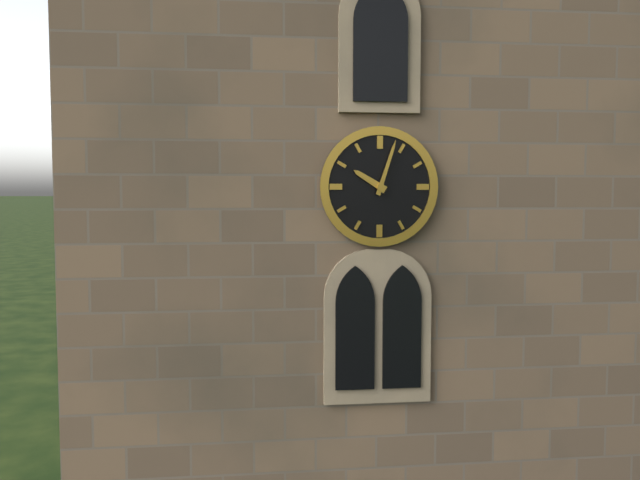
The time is 10h03
